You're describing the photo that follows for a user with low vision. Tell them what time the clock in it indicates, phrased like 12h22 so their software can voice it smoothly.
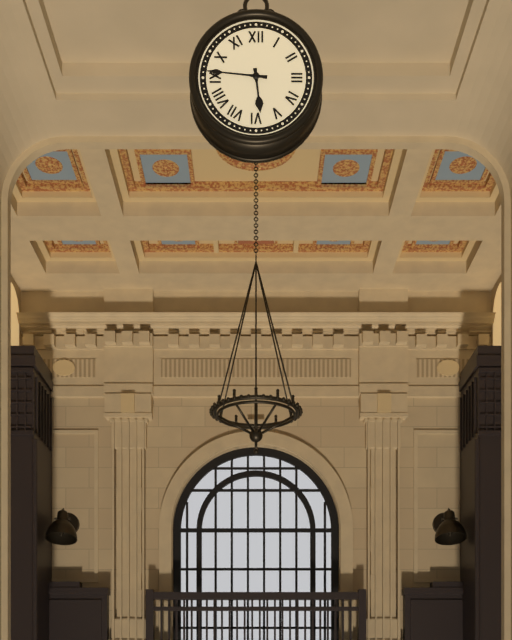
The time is 5h46
